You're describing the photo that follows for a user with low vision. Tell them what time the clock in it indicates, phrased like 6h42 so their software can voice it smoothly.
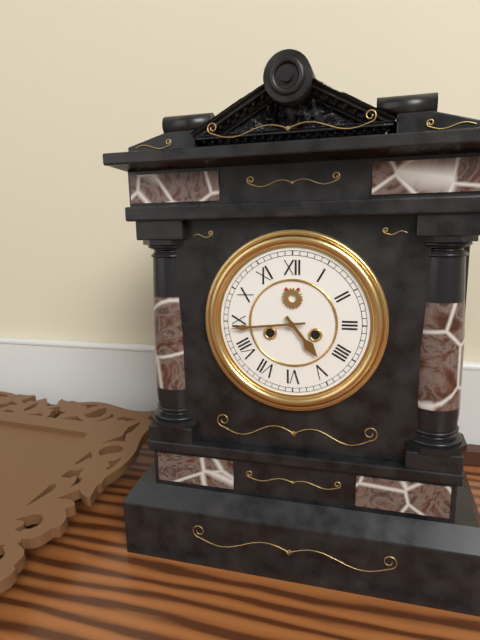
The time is 4h44
